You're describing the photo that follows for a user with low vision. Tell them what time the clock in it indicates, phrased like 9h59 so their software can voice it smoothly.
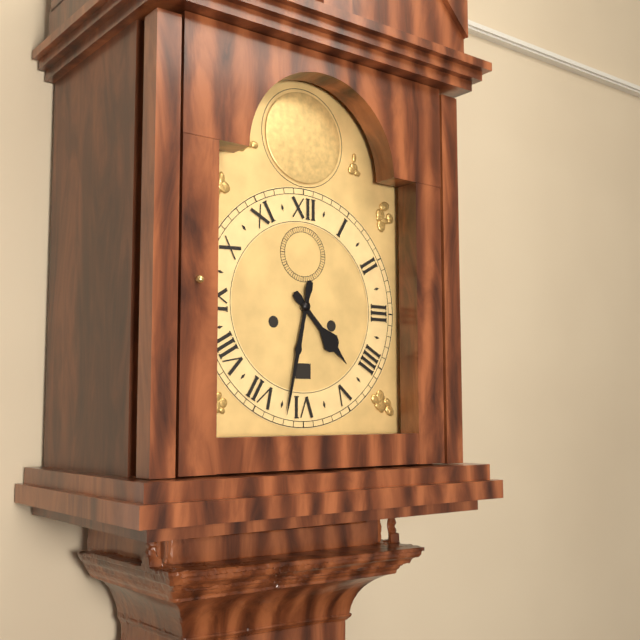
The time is 4h32
